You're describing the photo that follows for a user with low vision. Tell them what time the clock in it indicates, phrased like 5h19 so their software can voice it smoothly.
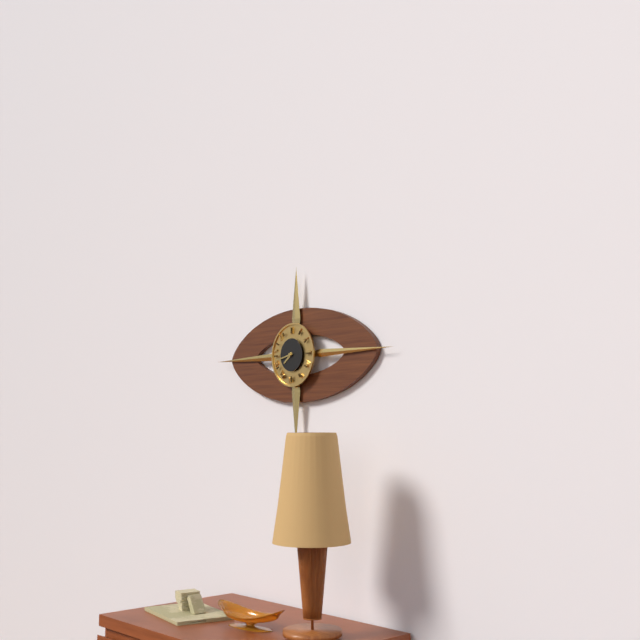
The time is 7h43
